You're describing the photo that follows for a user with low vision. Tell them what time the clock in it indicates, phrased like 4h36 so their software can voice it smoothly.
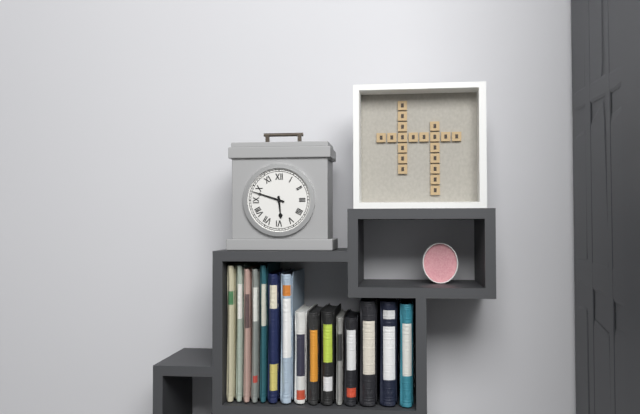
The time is 5h48
